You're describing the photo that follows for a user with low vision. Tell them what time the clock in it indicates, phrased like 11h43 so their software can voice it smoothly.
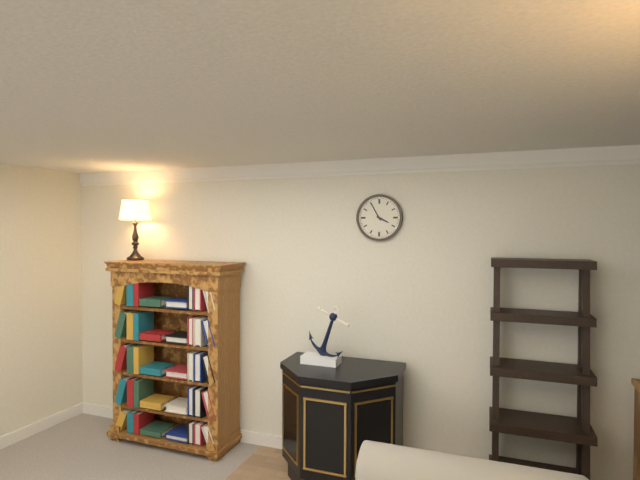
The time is 3h55
